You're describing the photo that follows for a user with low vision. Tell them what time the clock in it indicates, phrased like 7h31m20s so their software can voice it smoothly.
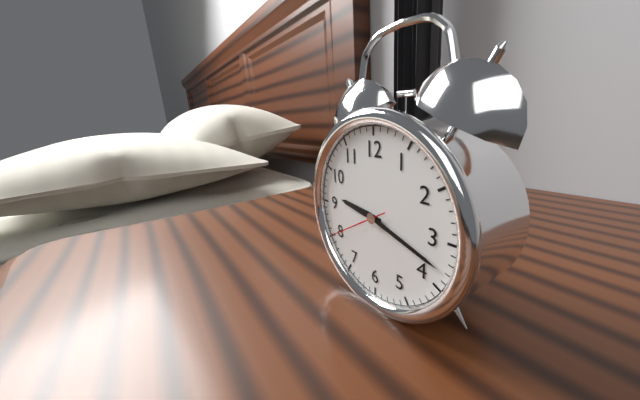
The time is 9h18m40s
